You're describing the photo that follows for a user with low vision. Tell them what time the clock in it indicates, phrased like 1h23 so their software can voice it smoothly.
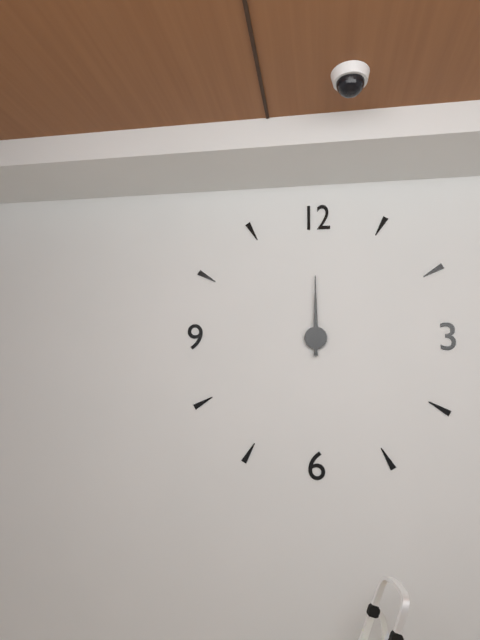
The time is 12h00
